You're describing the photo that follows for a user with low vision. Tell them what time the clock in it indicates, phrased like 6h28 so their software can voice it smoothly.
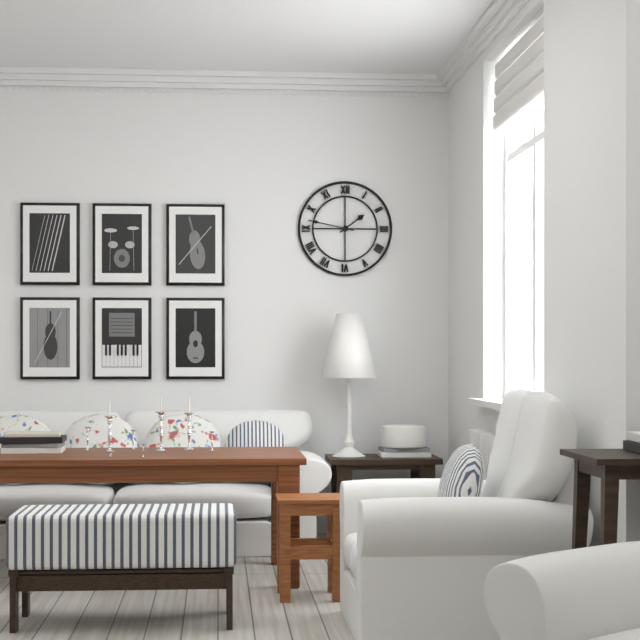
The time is 1h47
